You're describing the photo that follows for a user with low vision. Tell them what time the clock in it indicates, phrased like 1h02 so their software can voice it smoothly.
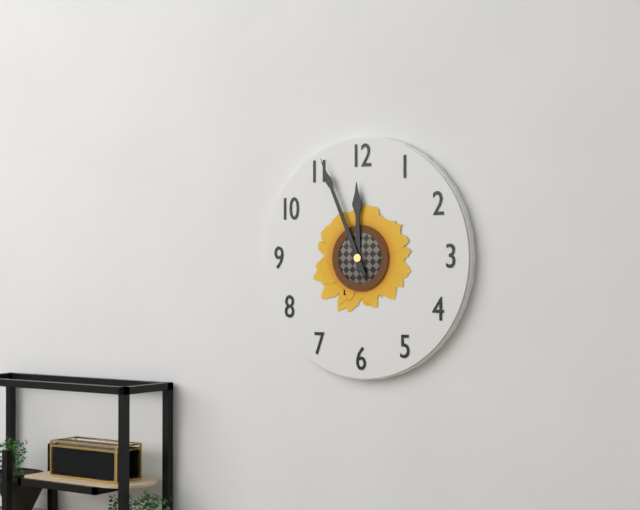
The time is 11h56
